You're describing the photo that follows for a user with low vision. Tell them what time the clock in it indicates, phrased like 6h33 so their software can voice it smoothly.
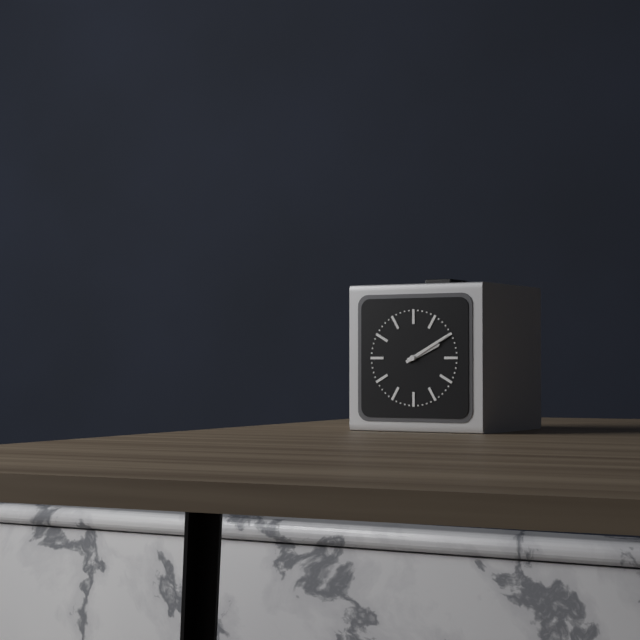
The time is 2h10
